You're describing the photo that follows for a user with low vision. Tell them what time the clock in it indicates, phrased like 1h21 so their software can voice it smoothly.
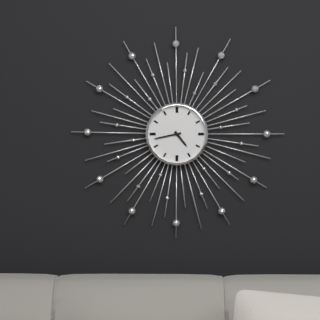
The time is 4h43
